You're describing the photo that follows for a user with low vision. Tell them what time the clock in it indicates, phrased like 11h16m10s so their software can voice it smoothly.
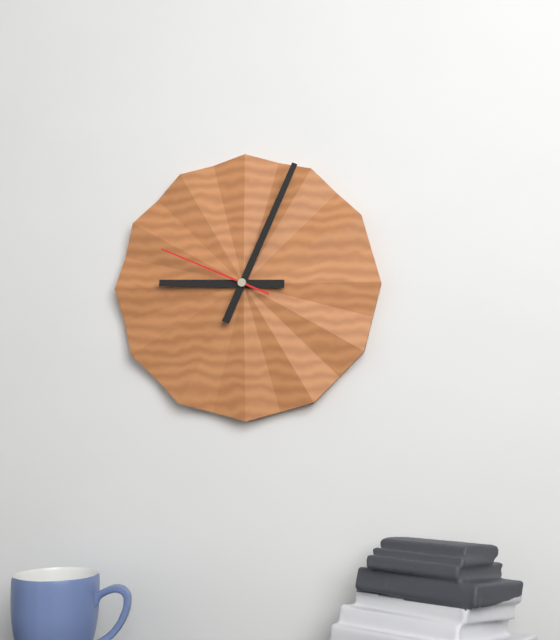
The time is 9h04m49s
